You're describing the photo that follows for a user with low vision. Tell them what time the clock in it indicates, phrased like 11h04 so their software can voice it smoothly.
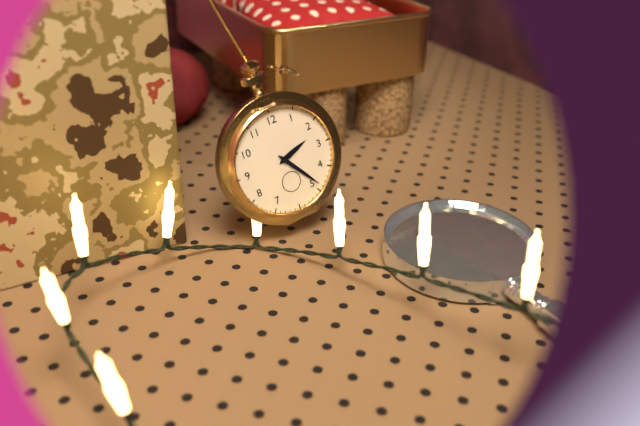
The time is 2h24
